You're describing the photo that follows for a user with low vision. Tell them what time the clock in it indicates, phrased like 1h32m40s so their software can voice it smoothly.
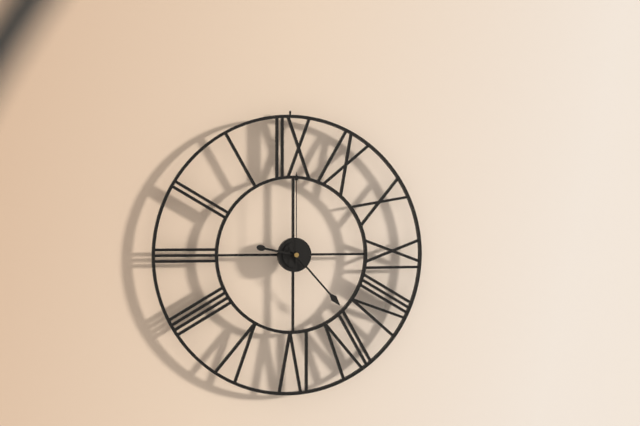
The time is 9h23m00s
